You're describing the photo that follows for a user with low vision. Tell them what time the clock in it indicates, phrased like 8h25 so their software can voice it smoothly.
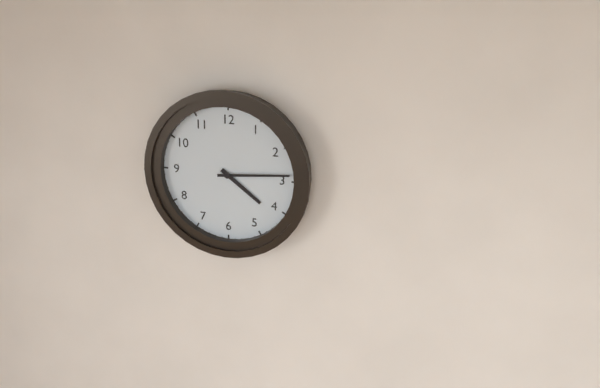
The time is 4h14
